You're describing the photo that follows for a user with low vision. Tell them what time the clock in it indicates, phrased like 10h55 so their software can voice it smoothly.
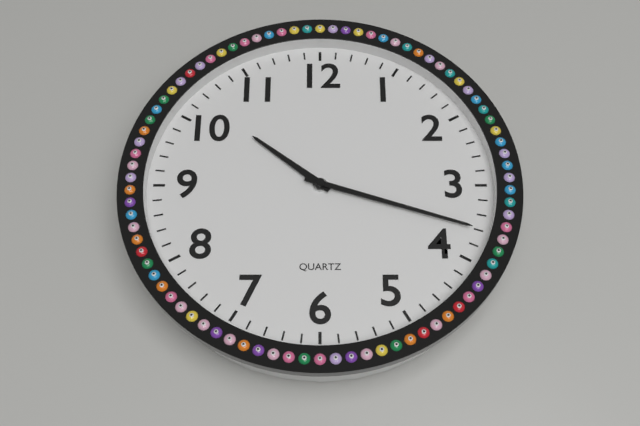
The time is 10h18
